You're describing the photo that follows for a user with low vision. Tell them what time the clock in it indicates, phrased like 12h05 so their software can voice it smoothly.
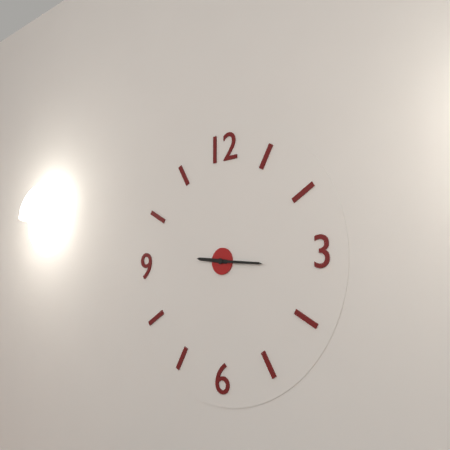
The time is 9h16
